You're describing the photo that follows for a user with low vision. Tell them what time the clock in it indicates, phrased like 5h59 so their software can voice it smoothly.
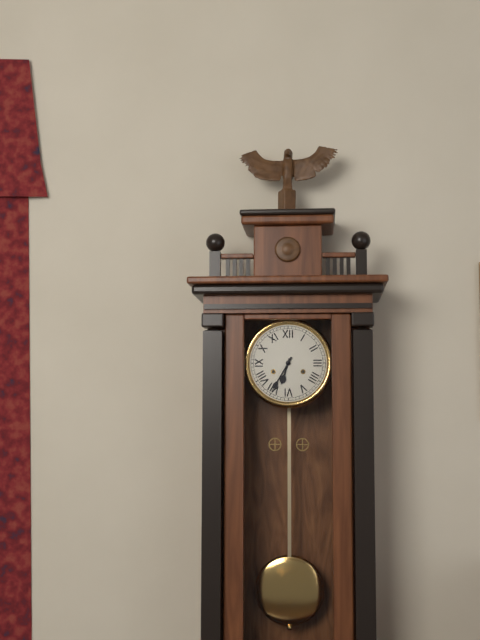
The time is 6h35
